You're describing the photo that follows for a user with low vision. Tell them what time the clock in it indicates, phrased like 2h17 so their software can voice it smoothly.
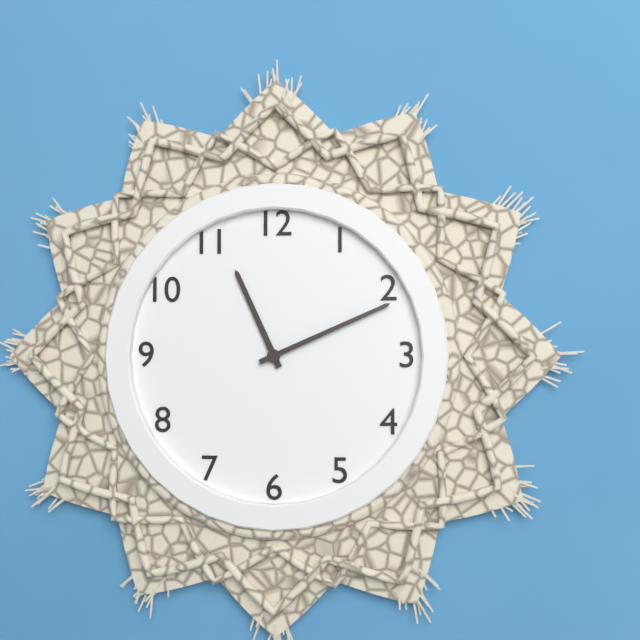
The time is 11h11
